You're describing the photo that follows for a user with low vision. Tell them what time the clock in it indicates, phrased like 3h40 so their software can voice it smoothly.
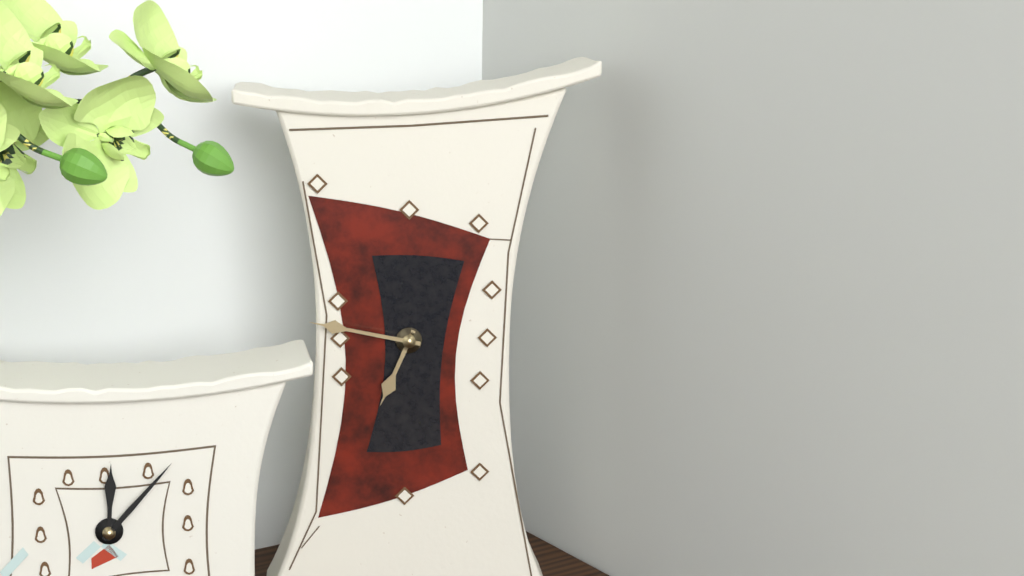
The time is 6h47
